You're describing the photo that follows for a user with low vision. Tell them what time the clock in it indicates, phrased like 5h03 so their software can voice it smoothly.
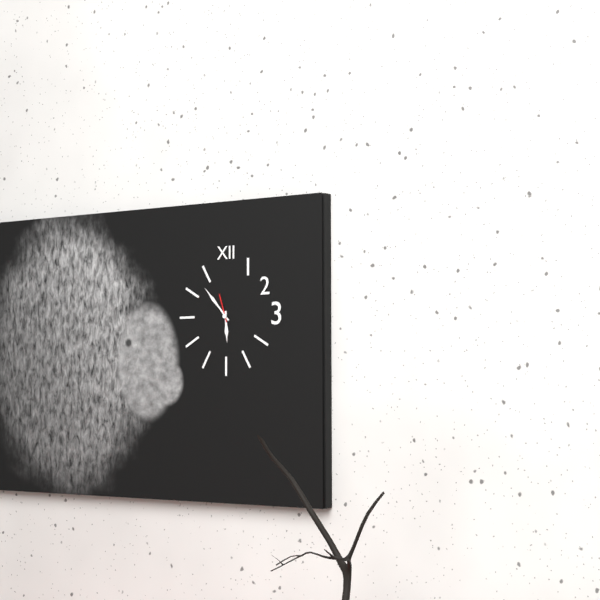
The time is 5h53
